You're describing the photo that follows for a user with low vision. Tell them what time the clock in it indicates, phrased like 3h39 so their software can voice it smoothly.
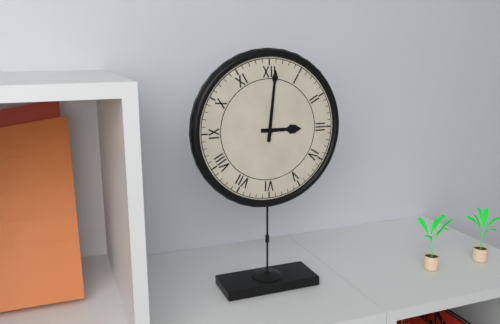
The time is 3h01
